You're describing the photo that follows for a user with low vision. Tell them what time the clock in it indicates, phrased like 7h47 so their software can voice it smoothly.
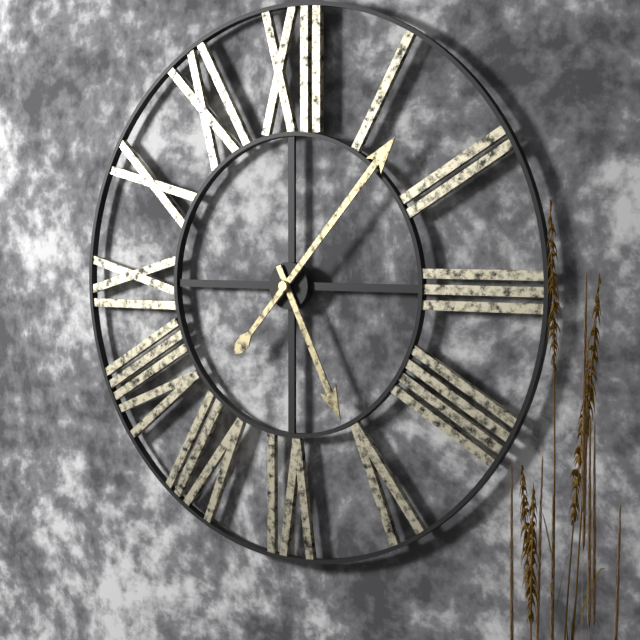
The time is 5h07
